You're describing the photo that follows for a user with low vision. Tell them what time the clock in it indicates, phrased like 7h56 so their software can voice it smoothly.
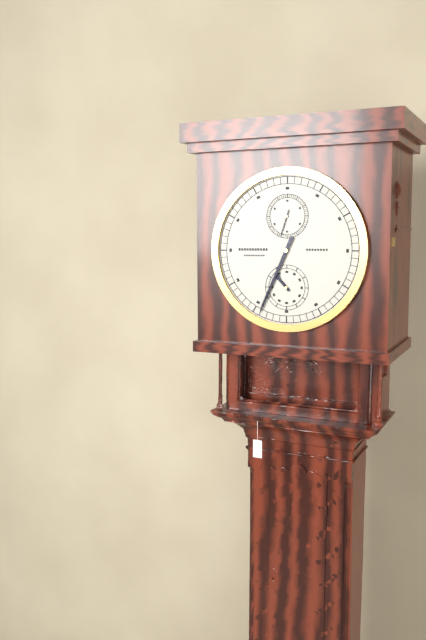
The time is 10h34
